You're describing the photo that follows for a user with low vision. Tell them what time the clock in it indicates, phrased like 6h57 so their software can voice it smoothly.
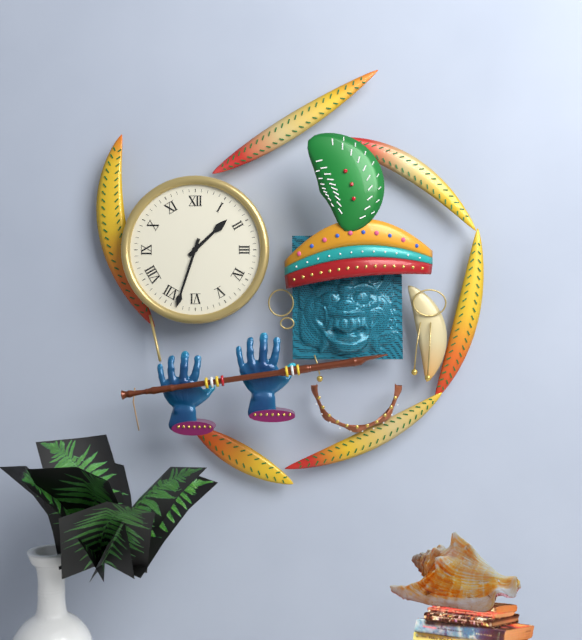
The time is 1h33
